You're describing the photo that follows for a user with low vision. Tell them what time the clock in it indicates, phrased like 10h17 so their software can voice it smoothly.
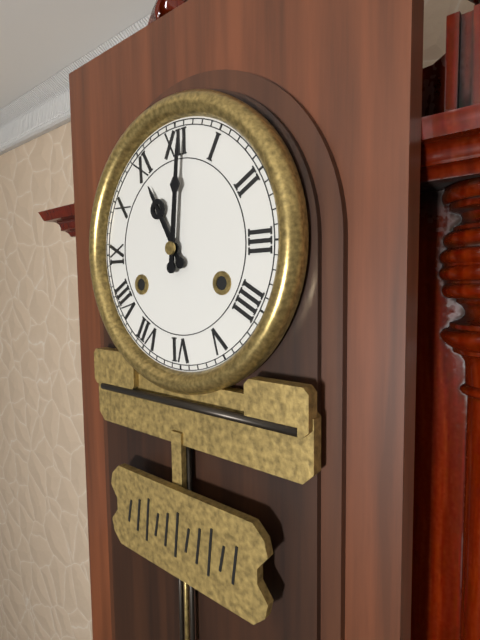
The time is 11h01
